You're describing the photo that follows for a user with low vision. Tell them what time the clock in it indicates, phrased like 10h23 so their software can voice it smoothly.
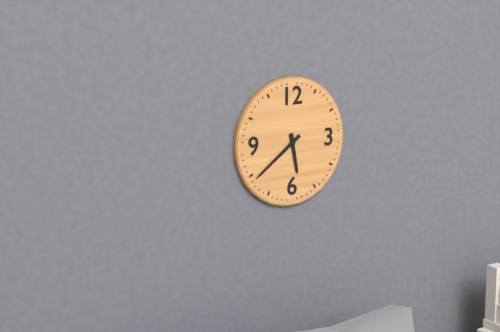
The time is 5h39
